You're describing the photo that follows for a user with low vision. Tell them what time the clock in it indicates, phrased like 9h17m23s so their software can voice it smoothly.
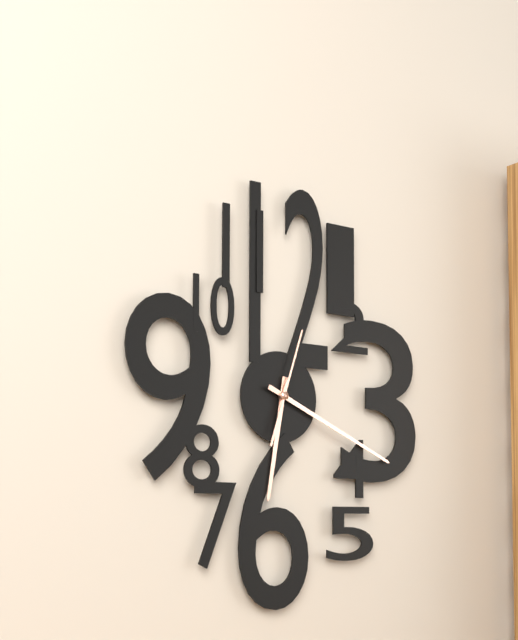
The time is 6h19m03s
